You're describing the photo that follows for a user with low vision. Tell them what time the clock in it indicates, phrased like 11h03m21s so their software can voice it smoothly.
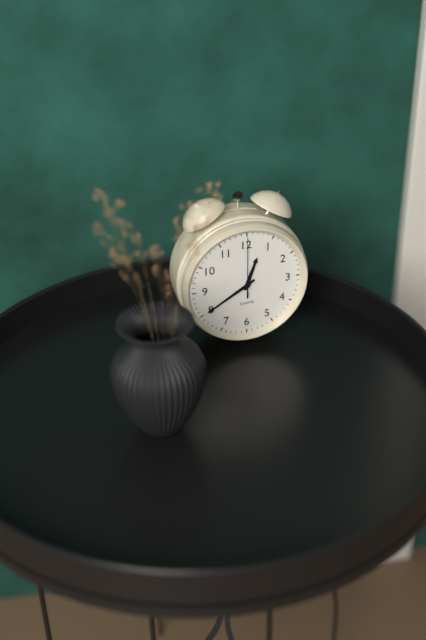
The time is 12h40m00s
